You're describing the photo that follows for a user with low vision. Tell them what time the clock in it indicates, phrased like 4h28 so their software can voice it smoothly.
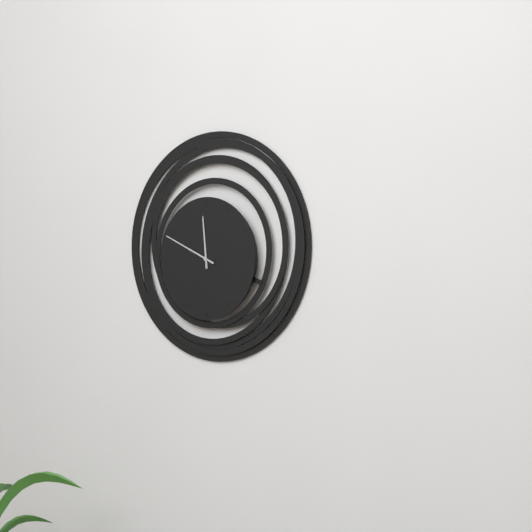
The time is 11h49
